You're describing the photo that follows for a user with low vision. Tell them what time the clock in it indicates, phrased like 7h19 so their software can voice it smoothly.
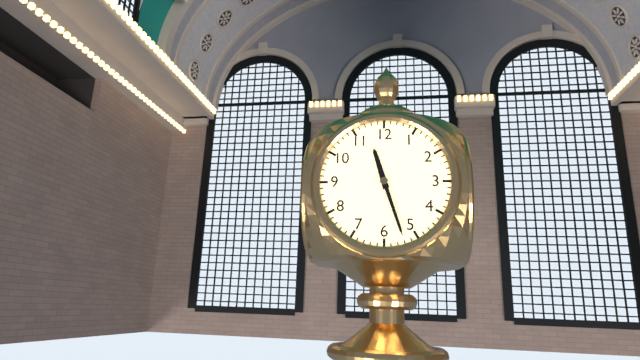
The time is 11h27
